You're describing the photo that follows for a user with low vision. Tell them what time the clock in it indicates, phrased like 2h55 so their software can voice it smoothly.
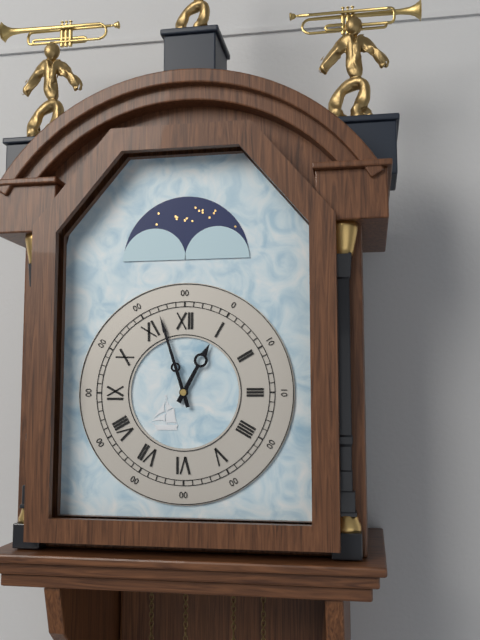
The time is 12h57
